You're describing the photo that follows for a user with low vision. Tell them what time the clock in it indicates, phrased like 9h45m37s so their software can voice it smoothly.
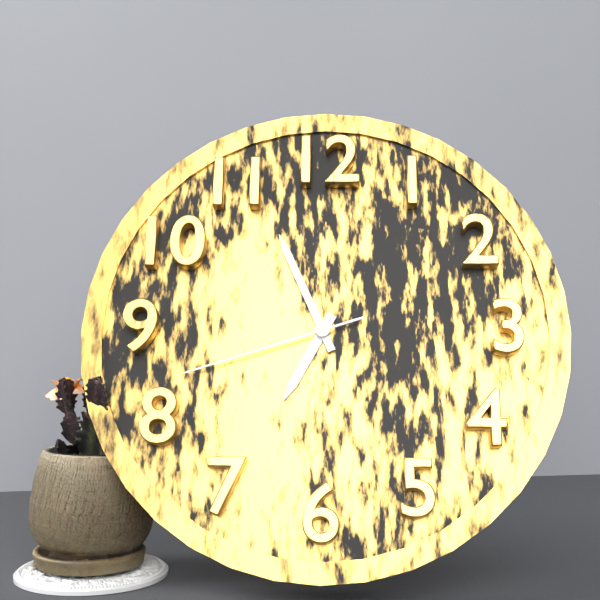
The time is 6h56m42s
